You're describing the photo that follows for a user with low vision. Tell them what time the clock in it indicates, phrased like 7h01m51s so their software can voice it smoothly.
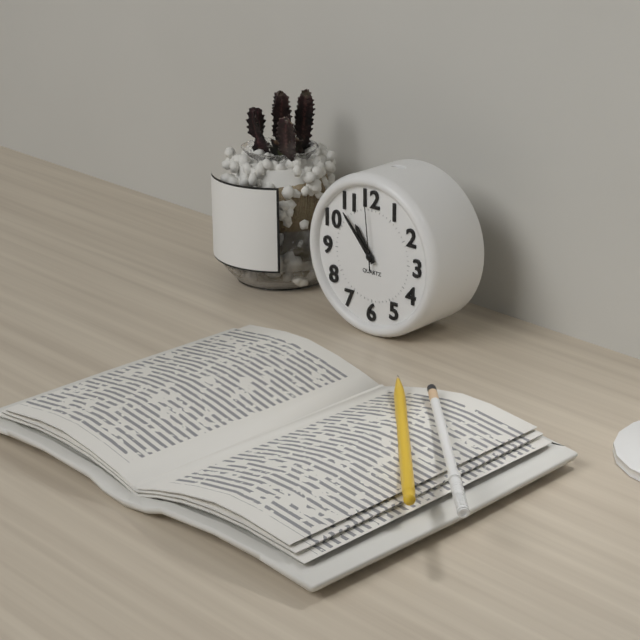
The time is 10h53m59s
